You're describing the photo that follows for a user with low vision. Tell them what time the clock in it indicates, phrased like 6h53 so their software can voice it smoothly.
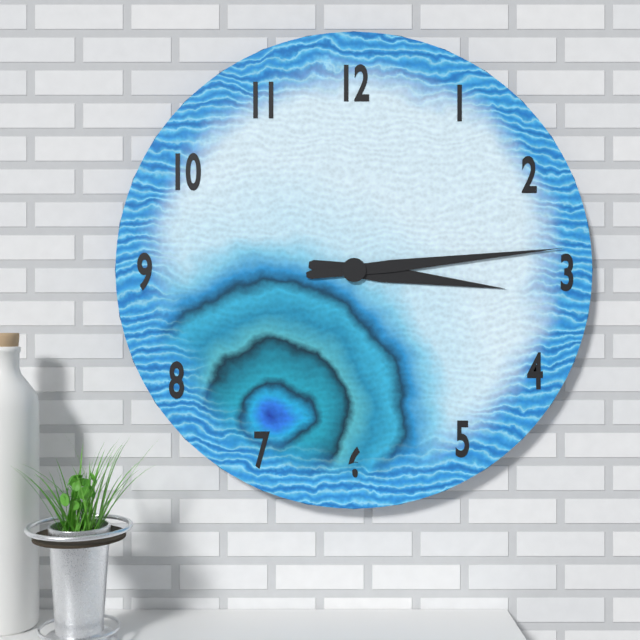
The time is 3h14
